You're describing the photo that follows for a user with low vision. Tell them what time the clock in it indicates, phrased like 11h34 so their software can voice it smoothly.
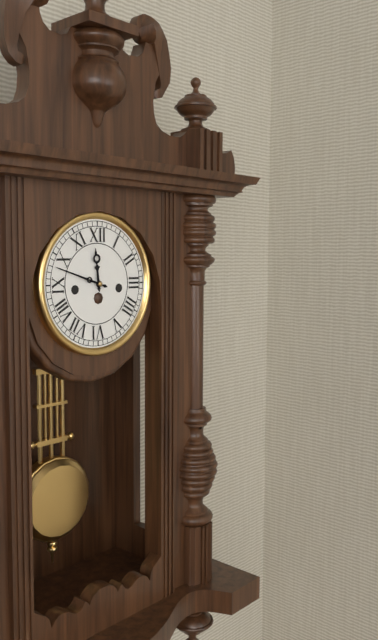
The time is 11h48
